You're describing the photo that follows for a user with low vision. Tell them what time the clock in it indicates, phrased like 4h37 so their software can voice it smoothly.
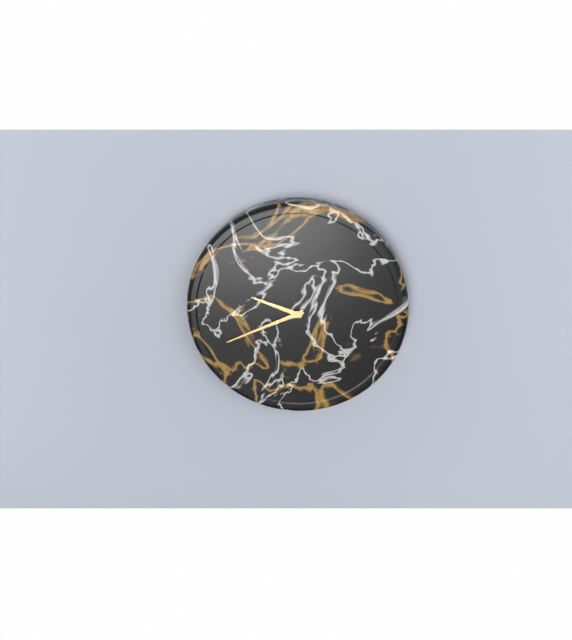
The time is 9h41
